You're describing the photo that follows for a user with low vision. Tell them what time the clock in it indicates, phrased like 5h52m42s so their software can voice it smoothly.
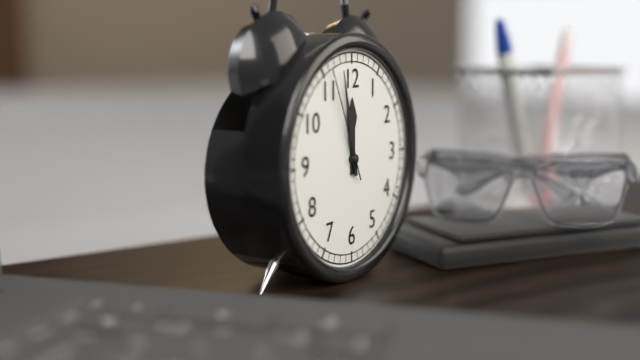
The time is 11h58m56s
